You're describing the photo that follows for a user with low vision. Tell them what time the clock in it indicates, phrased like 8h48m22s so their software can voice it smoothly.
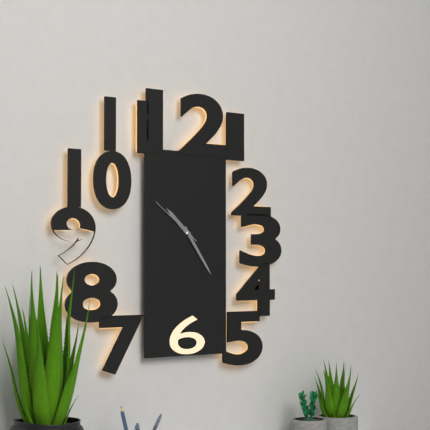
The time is 10h24m51s
